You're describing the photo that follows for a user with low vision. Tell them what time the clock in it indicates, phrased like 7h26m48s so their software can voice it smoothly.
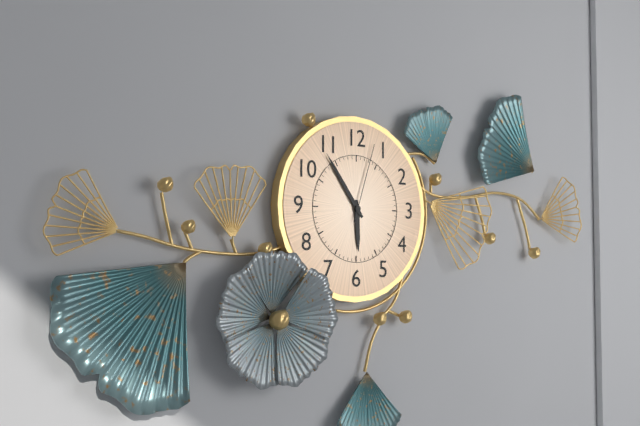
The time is 5h54m03s
